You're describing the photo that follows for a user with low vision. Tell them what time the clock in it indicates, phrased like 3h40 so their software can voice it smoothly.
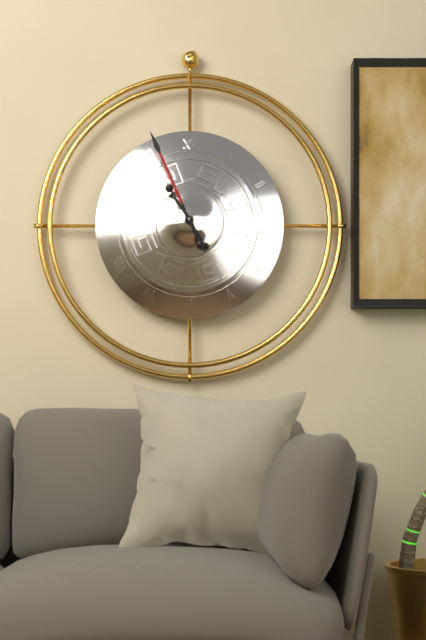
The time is 10h56
